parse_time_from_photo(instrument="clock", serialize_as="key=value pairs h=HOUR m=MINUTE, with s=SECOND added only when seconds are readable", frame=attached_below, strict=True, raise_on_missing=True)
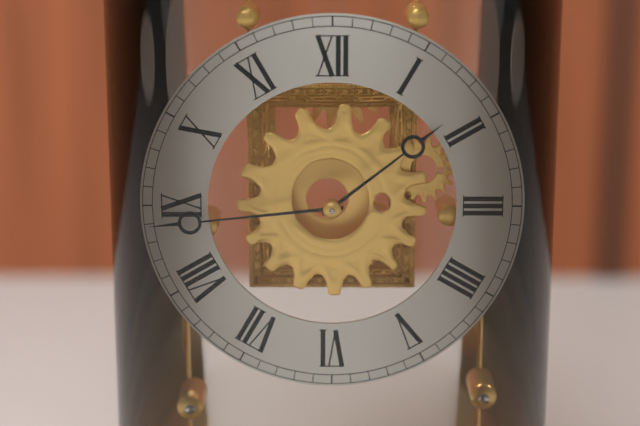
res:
h=1 m=44
